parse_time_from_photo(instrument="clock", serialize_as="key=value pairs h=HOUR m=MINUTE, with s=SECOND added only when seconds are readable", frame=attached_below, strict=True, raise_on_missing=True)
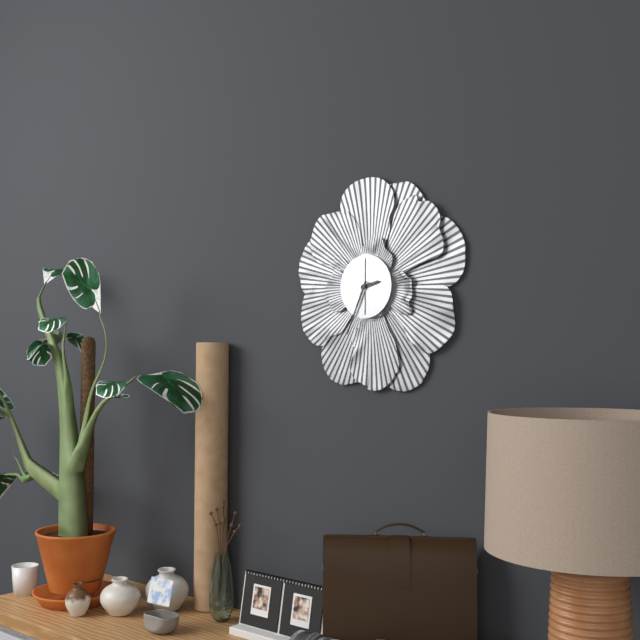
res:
h=2 m=34
